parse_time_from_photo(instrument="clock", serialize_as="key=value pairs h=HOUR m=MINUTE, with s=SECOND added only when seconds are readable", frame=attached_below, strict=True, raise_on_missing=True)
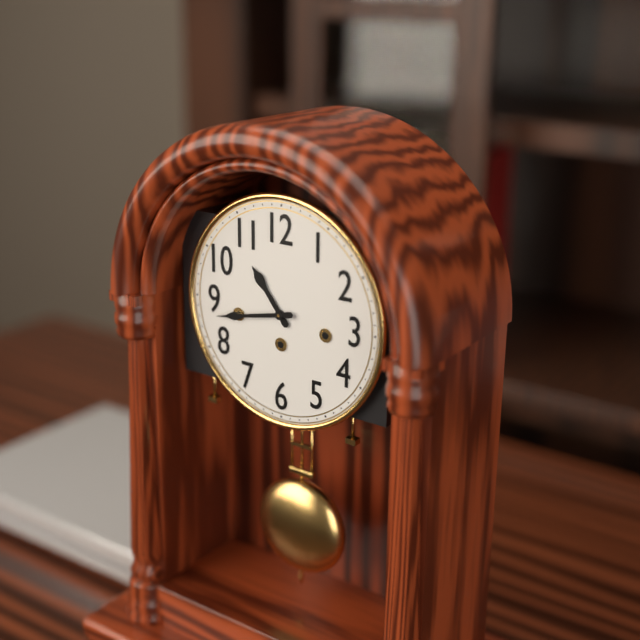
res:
h=10 m=43
